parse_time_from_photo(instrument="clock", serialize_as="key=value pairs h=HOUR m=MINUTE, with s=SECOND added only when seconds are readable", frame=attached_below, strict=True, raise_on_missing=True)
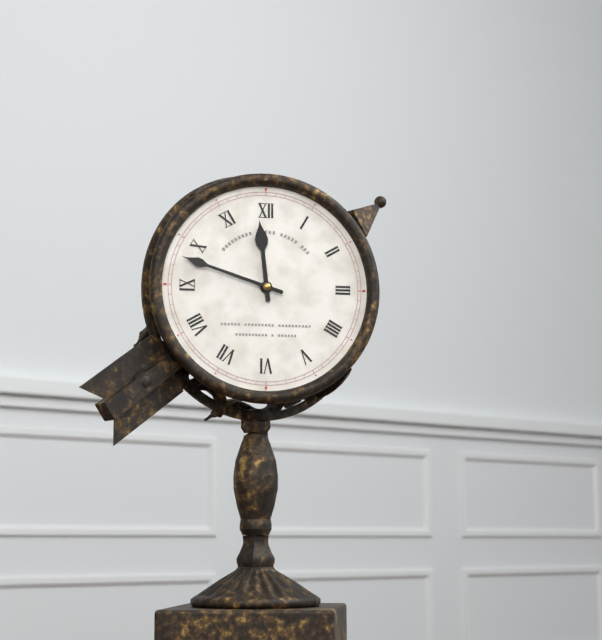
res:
h=11 m=48
